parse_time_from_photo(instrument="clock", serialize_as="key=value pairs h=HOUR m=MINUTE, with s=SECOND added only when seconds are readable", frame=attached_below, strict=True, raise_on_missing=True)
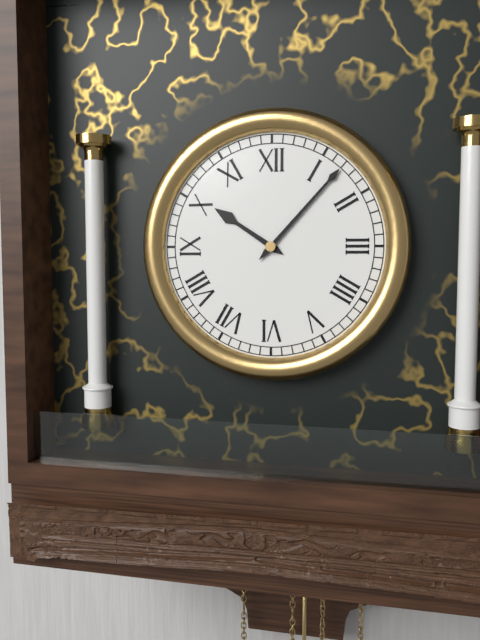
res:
h=10 m=7
